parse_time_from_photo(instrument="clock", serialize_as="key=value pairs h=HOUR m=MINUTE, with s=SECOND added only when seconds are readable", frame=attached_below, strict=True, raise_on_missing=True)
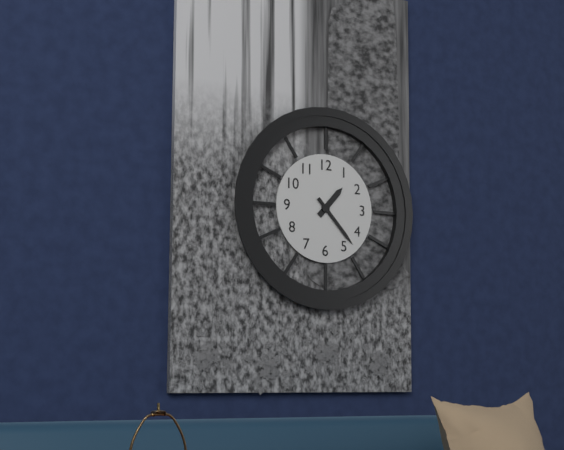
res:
h=1 m=23
